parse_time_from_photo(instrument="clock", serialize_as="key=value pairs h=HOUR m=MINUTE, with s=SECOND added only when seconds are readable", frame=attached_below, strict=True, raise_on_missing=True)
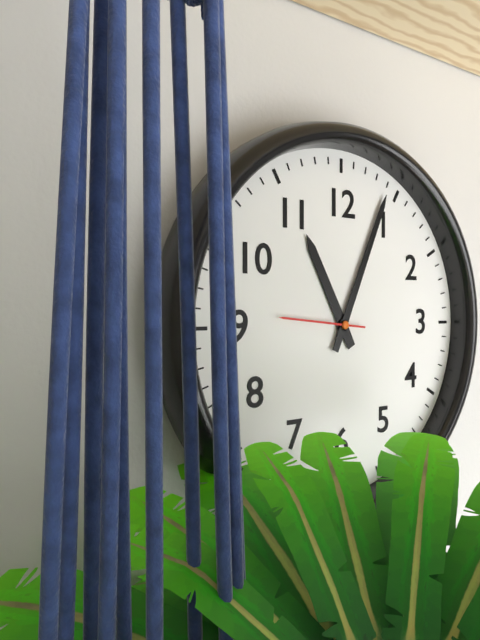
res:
h=11 m=4 s=46
